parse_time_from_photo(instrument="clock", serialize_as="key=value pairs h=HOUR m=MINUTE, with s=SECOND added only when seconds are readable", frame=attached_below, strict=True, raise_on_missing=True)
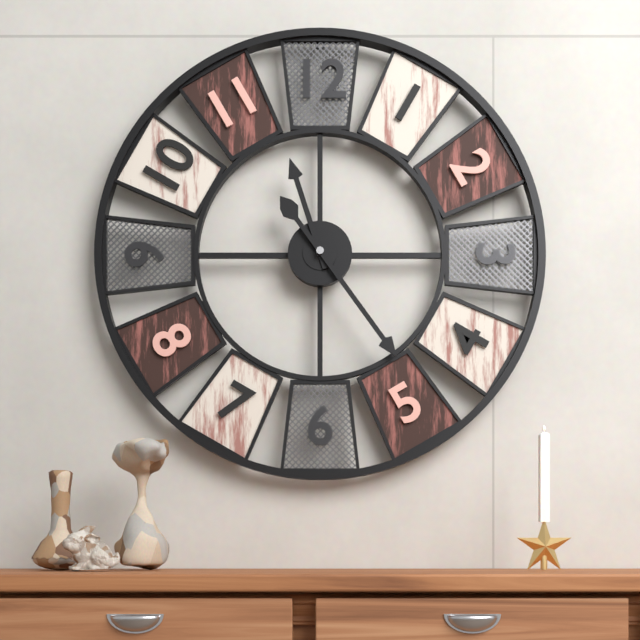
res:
h=11 m=24
